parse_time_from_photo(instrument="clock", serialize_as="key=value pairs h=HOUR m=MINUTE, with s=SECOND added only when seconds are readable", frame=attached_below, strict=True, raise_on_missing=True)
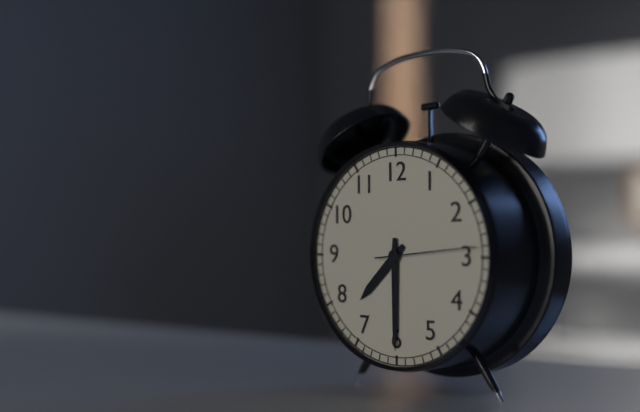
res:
h=7 m=30 s=14
